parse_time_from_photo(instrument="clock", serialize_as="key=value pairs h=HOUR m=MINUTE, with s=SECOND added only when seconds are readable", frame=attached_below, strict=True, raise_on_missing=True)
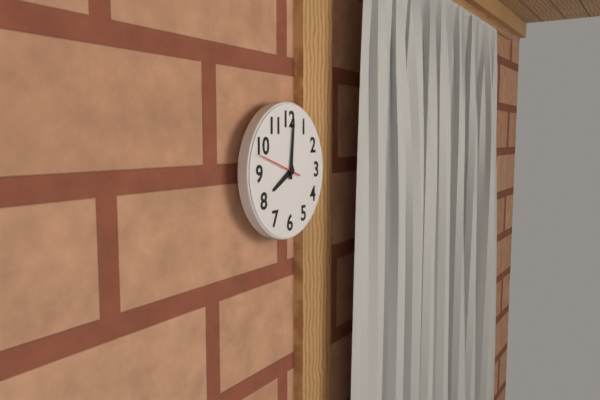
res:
h=8 m=1
